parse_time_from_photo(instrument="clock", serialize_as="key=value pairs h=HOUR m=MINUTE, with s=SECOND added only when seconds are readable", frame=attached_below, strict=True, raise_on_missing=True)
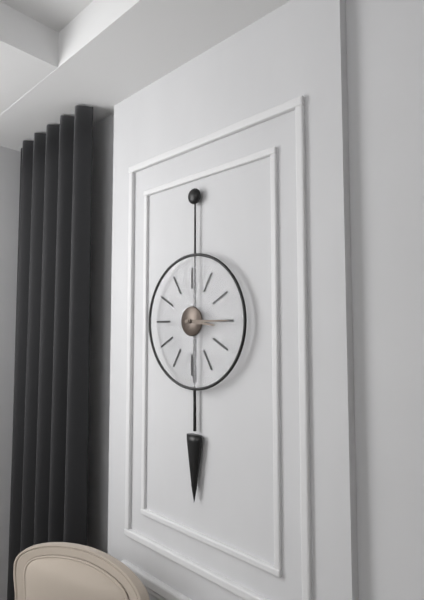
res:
h=3 m=15
